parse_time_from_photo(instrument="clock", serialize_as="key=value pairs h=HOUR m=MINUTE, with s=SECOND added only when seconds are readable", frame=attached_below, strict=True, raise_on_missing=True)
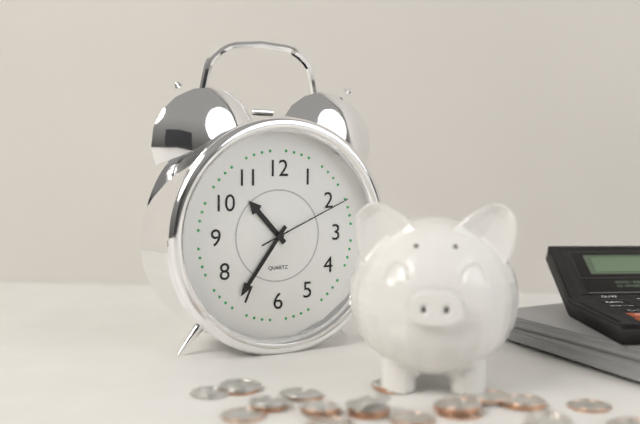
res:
h=10 m=36 s=11
